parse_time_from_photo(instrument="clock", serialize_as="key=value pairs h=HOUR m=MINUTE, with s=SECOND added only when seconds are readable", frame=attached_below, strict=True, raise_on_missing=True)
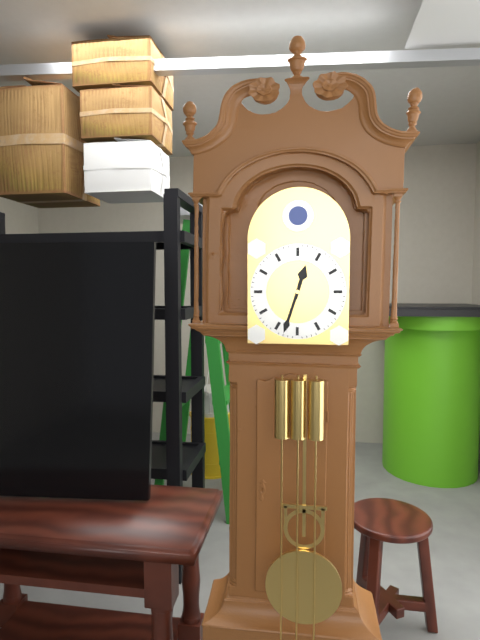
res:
h=12 m=33
